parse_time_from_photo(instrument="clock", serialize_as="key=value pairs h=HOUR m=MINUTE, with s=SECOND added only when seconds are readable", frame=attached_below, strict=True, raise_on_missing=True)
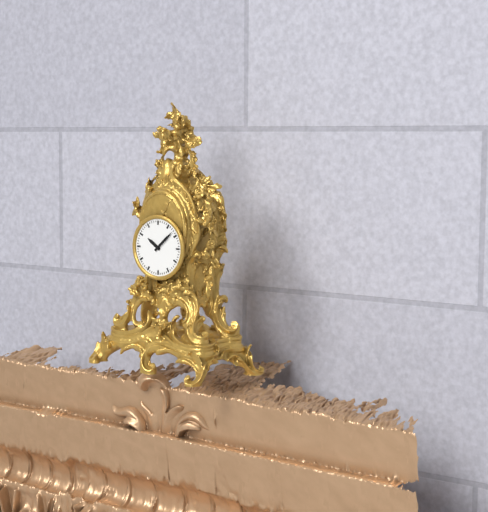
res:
h=10 m=8
